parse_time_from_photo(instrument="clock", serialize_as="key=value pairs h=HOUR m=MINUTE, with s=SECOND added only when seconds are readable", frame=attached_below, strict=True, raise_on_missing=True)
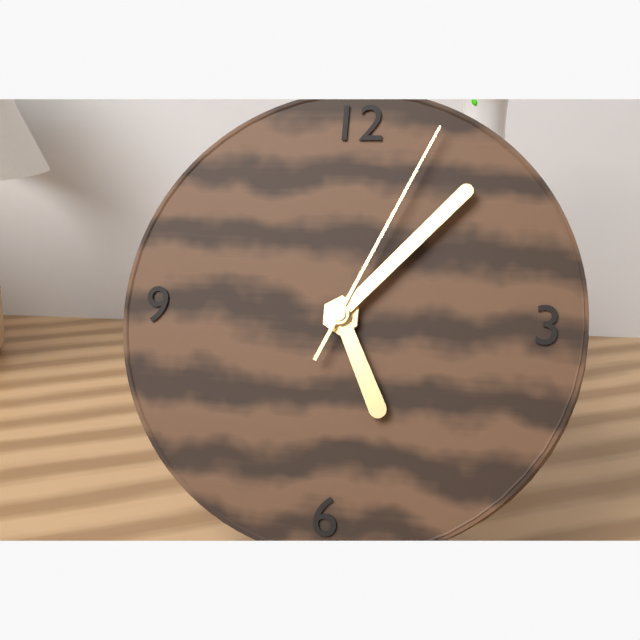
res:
h=5 m=7 s=4
